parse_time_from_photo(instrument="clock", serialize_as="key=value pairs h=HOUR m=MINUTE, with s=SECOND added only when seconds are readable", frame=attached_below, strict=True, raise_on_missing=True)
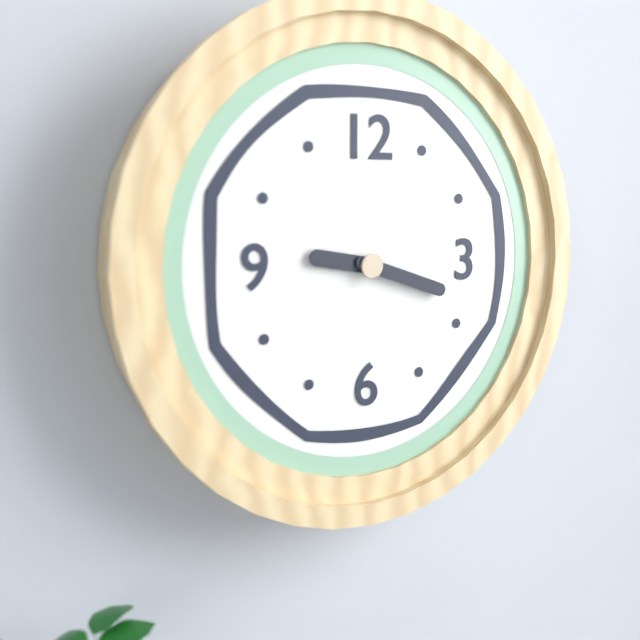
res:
h=9 m=18
